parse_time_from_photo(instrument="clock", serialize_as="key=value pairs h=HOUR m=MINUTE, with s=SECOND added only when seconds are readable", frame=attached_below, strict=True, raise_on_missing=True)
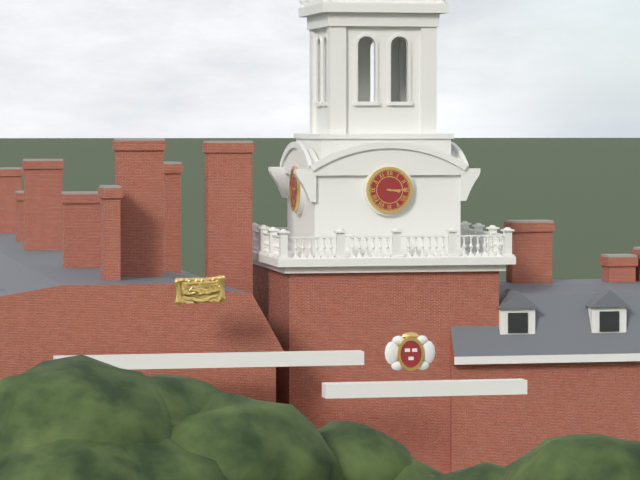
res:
h=3 m=15
